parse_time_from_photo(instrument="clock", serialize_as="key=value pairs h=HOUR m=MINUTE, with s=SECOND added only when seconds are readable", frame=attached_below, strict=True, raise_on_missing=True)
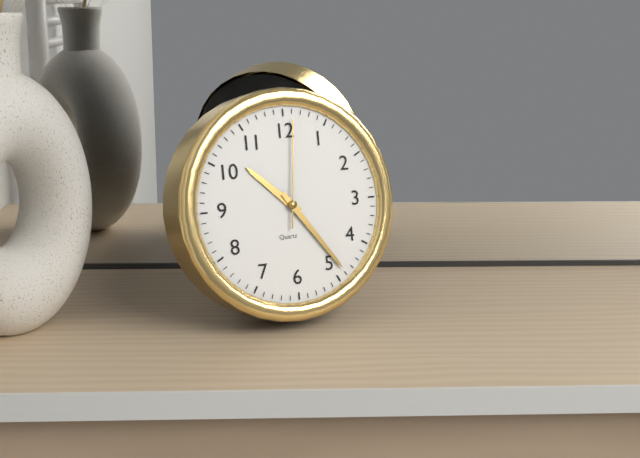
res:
h=10 m=24 s=1
